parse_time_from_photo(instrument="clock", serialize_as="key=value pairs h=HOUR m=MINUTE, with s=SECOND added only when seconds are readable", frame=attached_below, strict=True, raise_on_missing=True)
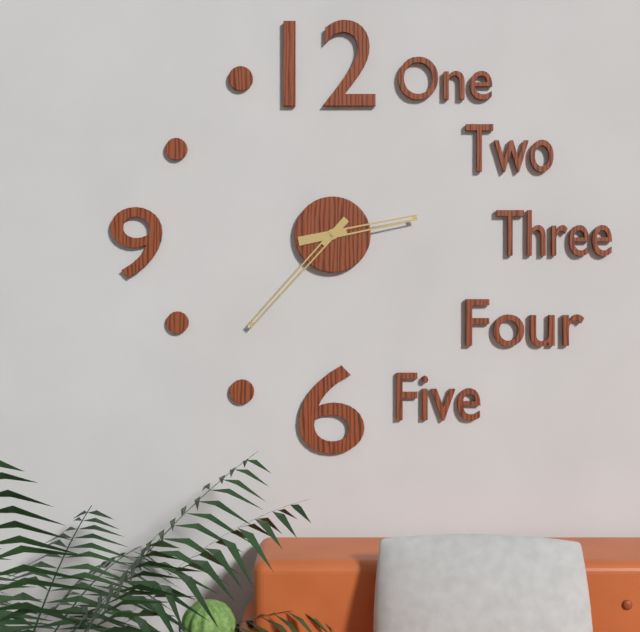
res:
h=2 m=37
